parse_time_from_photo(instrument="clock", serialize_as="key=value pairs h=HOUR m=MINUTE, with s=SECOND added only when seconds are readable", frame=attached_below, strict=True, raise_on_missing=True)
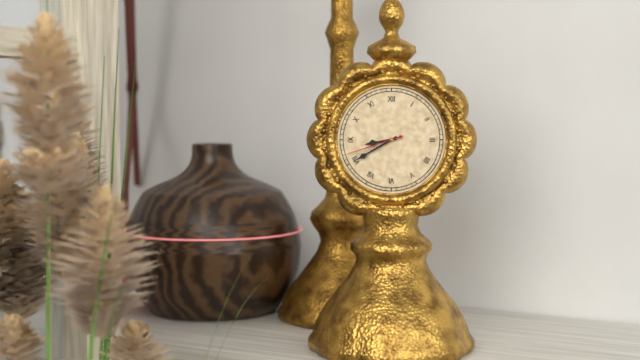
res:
h=8 m=40 s=42
